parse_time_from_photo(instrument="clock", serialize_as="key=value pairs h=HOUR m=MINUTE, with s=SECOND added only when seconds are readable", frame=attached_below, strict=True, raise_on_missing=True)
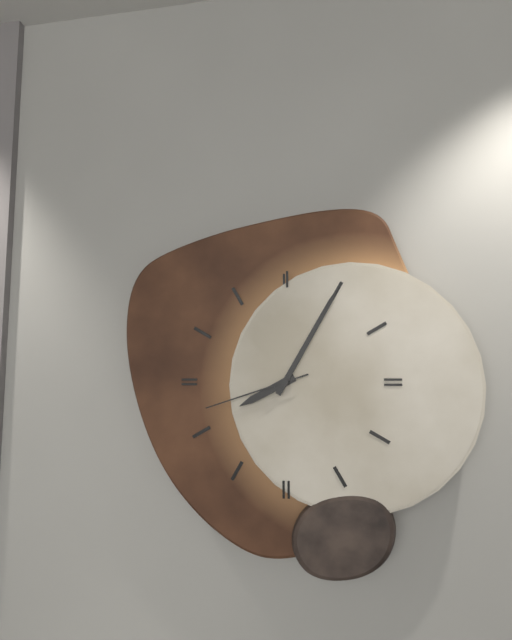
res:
h=8 m=5 s=42
